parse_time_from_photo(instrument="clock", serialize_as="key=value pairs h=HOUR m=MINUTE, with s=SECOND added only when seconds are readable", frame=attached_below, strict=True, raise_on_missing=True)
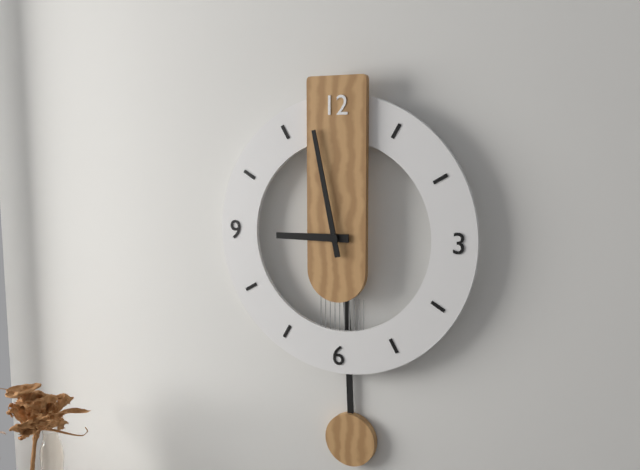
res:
h=8 m=58
